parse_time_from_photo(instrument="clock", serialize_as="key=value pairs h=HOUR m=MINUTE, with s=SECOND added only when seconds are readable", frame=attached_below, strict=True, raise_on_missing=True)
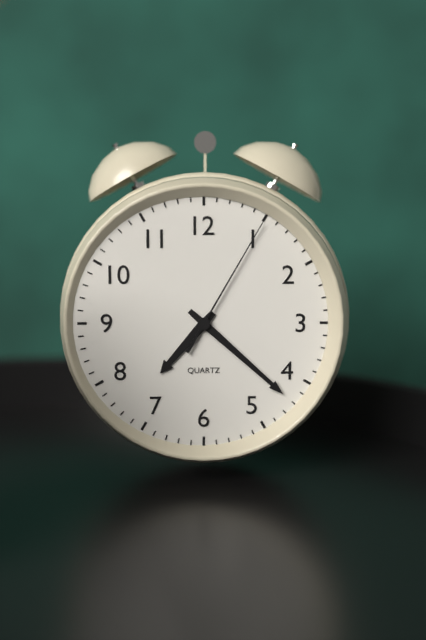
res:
h=7 m=22 s=5
